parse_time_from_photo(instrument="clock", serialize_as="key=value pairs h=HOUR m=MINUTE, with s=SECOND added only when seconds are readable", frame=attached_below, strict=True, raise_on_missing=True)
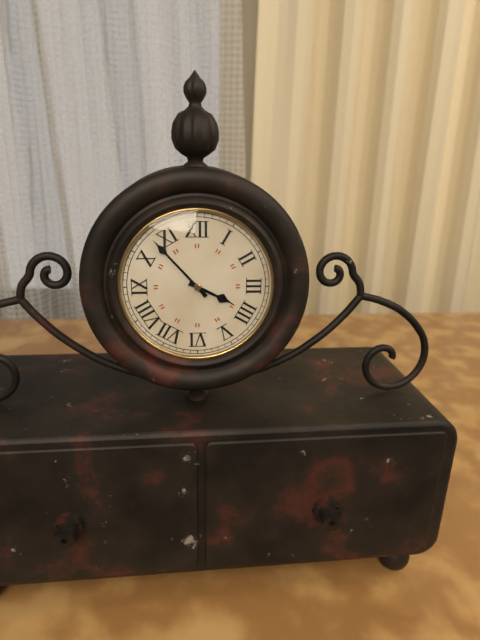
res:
h=3 m=53
